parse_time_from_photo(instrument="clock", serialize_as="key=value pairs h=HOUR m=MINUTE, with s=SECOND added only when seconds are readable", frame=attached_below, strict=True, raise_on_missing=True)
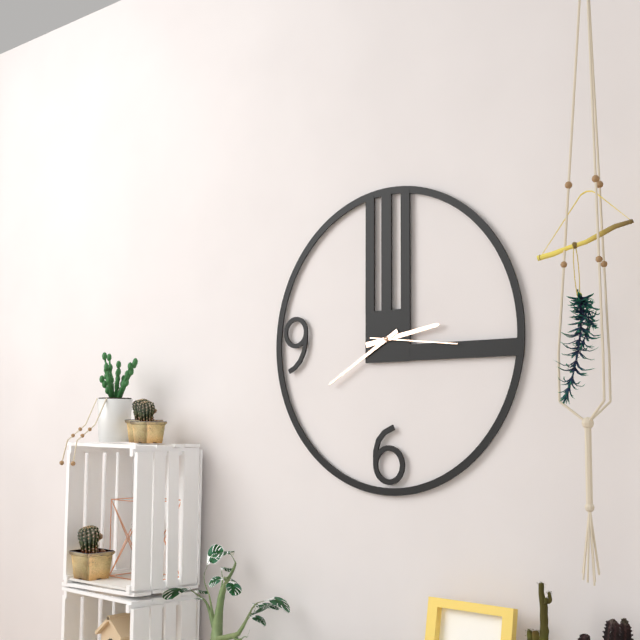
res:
h=2 m=40 s=16
